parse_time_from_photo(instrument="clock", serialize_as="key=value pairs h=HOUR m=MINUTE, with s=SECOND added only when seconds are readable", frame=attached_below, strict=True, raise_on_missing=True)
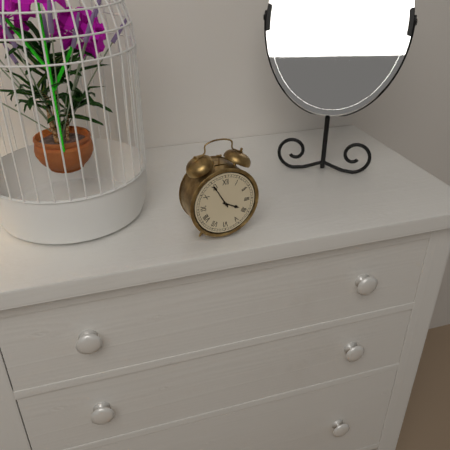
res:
h=3 m=55
